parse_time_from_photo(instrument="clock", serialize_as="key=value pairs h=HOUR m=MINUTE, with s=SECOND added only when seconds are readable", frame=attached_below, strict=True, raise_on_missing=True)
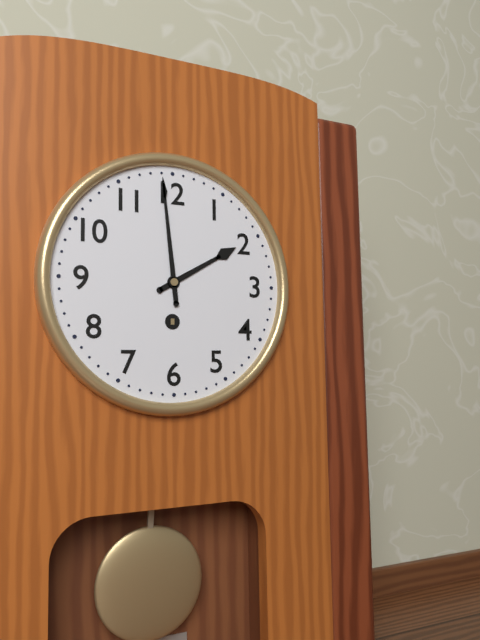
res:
h=1 m=59
